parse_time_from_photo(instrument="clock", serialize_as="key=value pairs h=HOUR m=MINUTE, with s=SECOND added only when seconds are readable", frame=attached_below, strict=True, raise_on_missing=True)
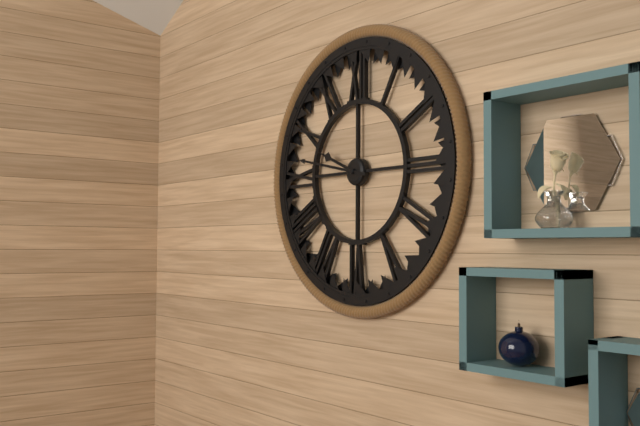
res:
h=9 m=47
